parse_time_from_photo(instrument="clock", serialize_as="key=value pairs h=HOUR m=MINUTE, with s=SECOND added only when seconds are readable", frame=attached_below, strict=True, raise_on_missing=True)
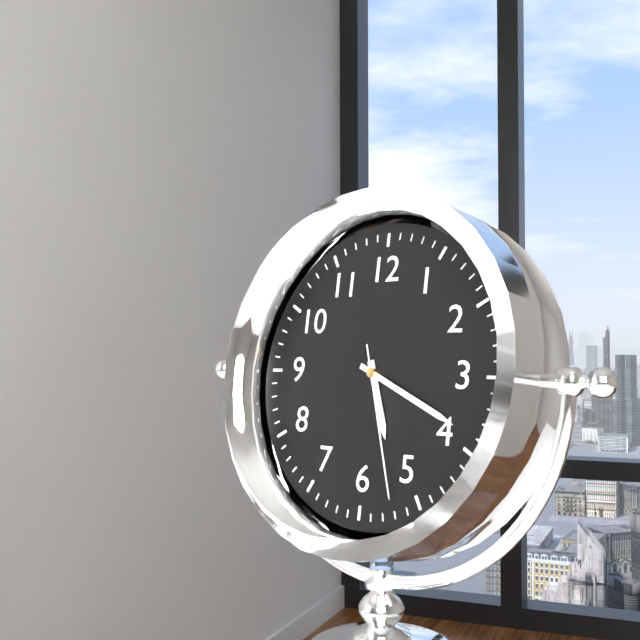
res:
h=5 m=19 s=27
